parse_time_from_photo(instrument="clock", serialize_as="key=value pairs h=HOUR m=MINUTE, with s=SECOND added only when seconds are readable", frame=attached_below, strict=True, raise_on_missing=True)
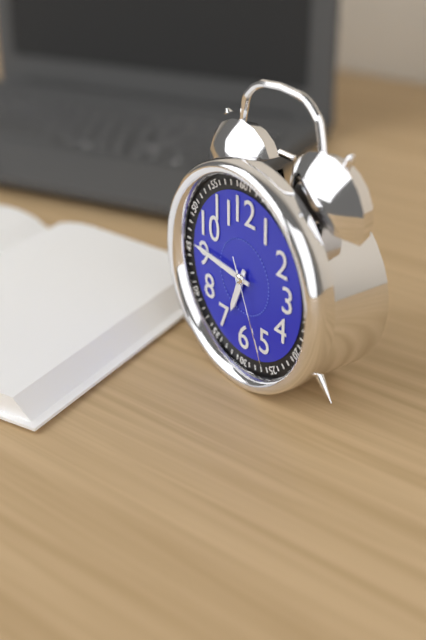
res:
h=6 m=46 s=26
